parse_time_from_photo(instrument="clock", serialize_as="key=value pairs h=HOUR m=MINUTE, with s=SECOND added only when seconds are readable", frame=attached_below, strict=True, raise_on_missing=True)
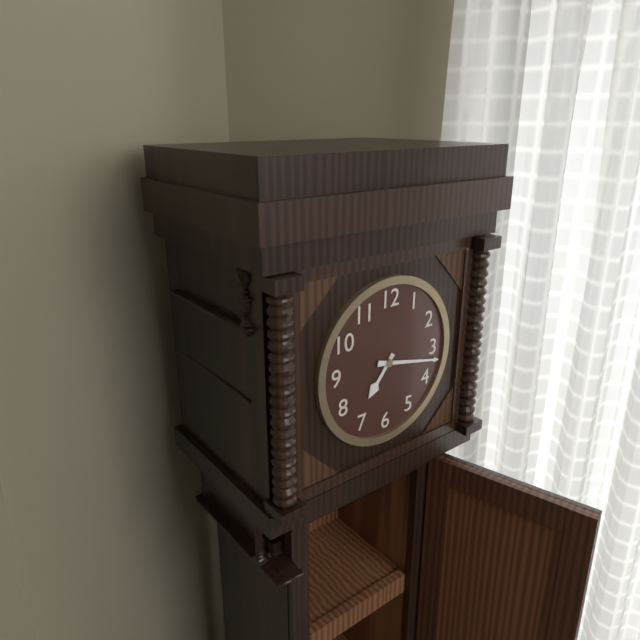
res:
h=7 m=17
